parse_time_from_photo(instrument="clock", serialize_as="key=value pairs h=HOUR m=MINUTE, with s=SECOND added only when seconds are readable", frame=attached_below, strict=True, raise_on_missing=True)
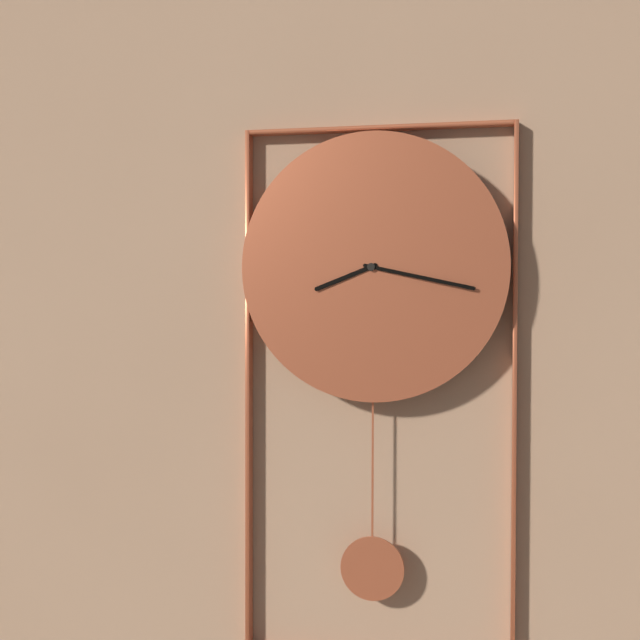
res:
h=8 m=17
